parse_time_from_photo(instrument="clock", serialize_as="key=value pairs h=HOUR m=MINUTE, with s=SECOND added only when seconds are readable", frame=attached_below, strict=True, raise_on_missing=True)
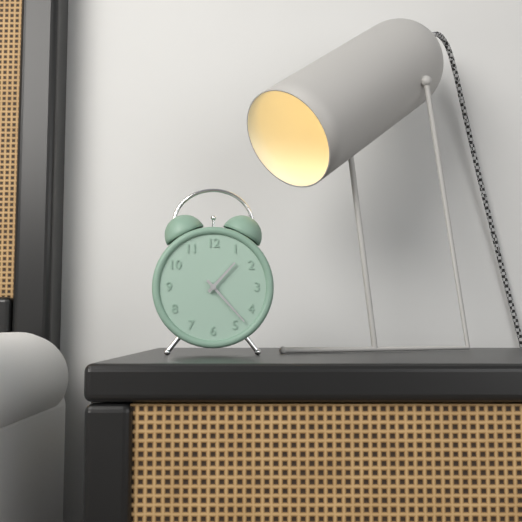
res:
h=1 m=23
